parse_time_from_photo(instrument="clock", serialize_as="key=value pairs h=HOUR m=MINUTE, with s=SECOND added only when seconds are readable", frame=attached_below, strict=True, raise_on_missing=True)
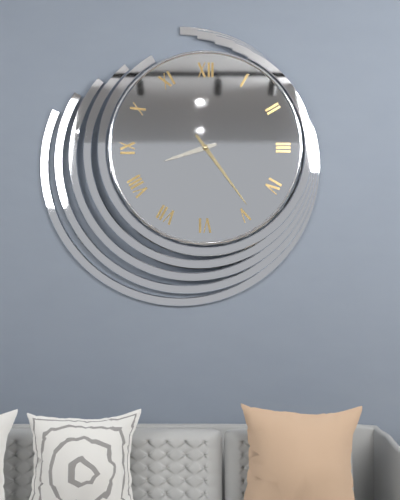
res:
h=8 m=24
